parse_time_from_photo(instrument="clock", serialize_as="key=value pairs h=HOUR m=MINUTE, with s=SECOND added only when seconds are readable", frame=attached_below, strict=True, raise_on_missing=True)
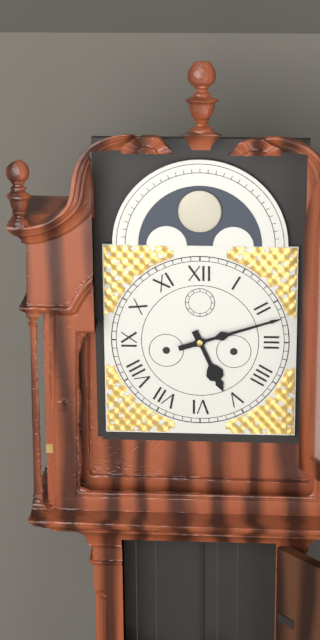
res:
h=5 m=12
